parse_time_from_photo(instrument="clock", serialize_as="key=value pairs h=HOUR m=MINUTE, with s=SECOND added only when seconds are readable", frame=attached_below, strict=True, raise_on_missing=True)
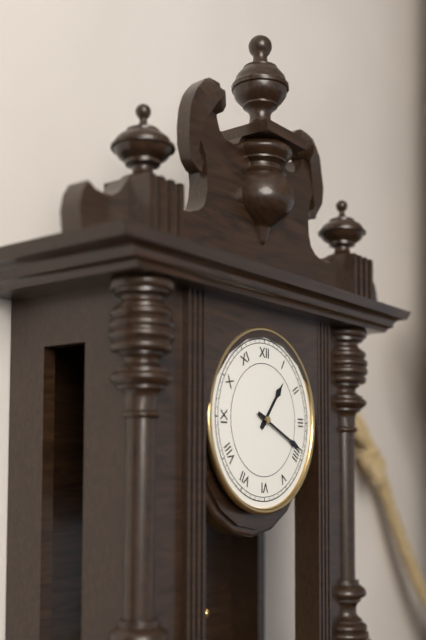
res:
h=1 m=19
